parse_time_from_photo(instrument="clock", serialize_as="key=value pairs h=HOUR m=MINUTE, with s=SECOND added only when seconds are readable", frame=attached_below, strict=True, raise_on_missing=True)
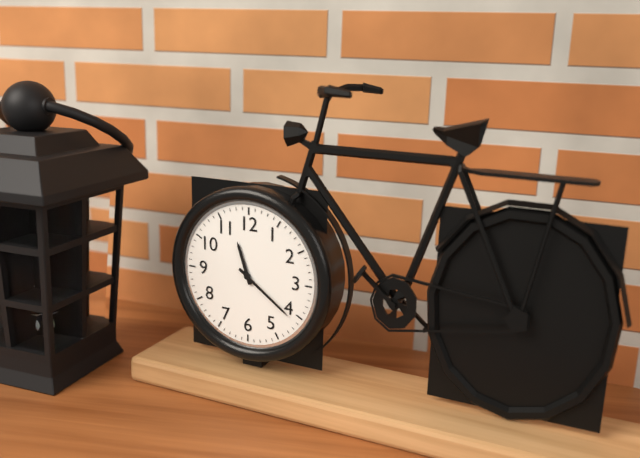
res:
h=11 m=21
